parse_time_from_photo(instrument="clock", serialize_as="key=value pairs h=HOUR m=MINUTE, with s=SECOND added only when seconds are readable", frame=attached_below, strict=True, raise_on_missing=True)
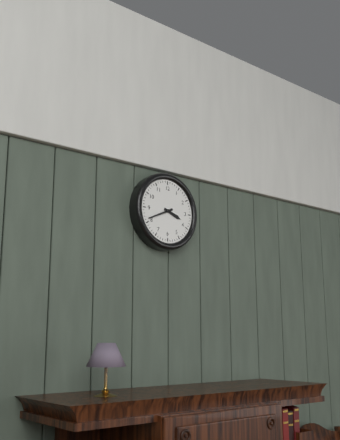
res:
h=3 m=41
